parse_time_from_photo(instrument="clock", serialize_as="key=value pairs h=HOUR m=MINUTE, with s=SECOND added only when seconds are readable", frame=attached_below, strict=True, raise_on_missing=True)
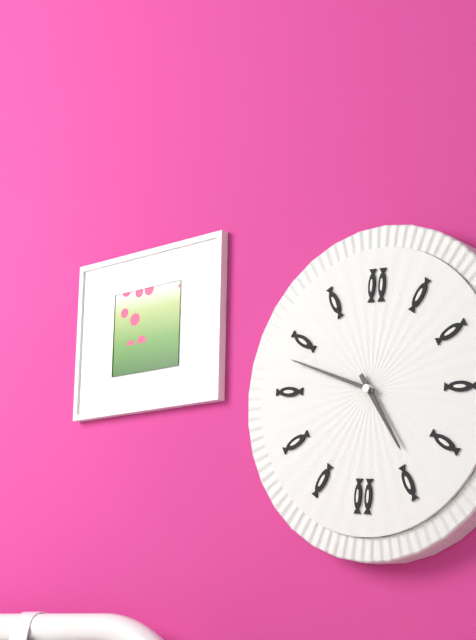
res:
h=4 m=48
